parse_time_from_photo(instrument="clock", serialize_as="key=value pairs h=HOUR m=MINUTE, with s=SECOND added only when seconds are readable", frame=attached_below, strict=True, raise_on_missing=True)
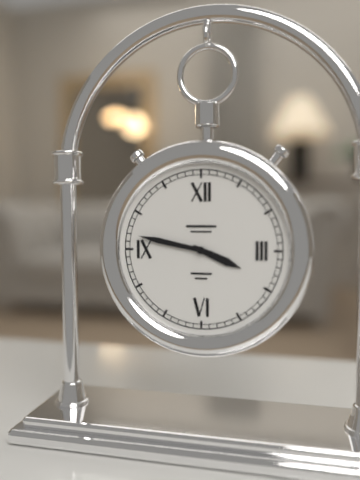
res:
h=3 m=47
